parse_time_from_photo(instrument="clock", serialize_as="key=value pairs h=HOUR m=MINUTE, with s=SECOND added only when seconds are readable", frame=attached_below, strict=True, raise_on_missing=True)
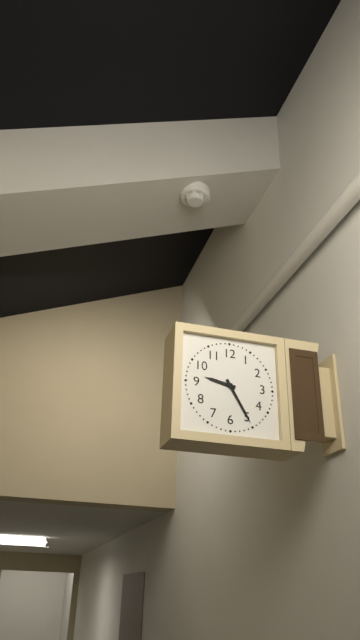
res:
h=9 m=25
